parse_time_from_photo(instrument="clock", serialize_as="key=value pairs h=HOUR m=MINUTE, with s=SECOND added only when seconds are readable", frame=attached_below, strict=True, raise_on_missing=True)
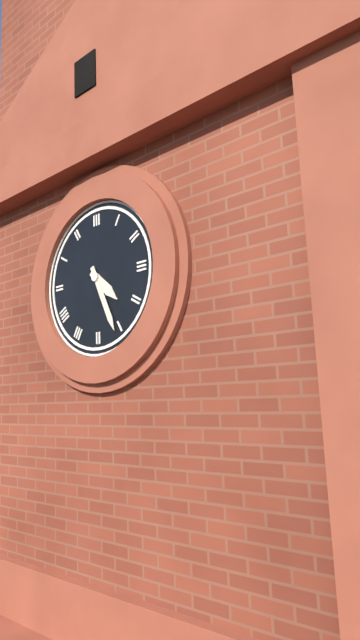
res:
h=4 m=26
